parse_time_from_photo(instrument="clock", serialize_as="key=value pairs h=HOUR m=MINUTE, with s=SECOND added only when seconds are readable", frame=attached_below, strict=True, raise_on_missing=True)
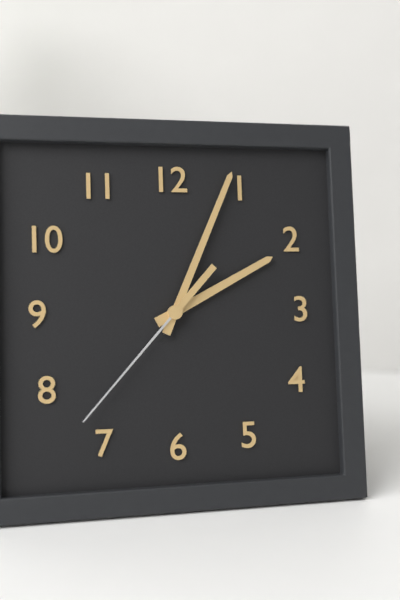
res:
h=2 m=4 s=37
